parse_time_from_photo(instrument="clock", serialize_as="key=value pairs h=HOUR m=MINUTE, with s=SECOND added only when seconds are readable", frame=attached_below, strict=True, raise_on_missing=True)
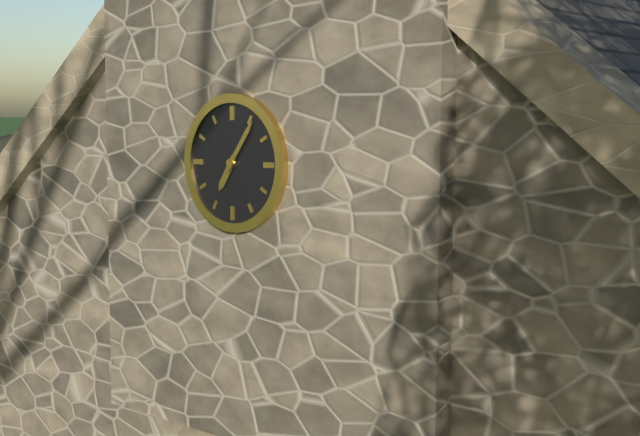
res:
h=7 m=6
